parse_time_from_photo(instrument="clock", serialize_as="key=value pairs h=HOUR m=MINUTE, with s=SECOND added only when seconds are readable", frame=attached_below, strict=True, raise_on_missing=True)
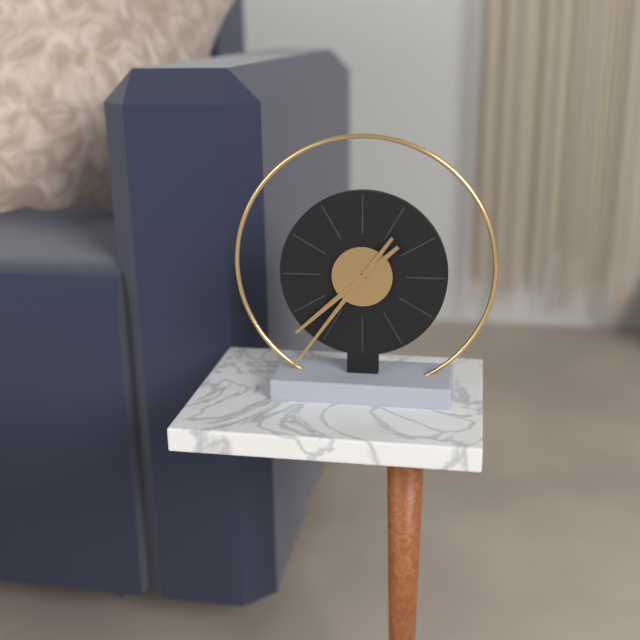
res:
h=7 m=36
